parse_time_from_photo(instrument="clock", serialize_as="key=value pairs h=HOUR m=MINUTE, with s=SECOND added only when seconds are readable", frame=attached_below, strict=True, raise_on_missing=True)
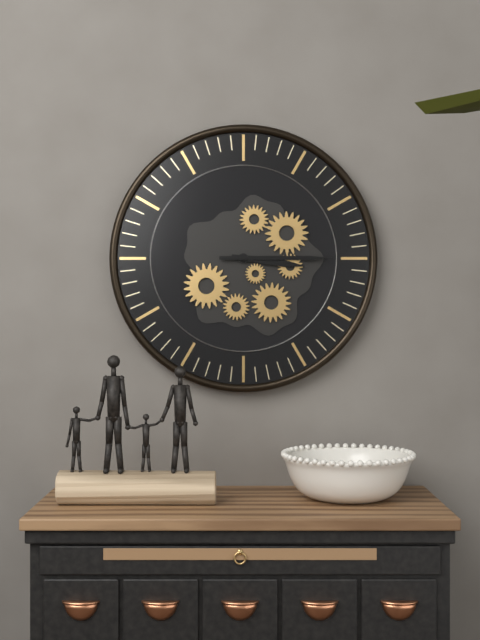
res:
h=3 m=15
